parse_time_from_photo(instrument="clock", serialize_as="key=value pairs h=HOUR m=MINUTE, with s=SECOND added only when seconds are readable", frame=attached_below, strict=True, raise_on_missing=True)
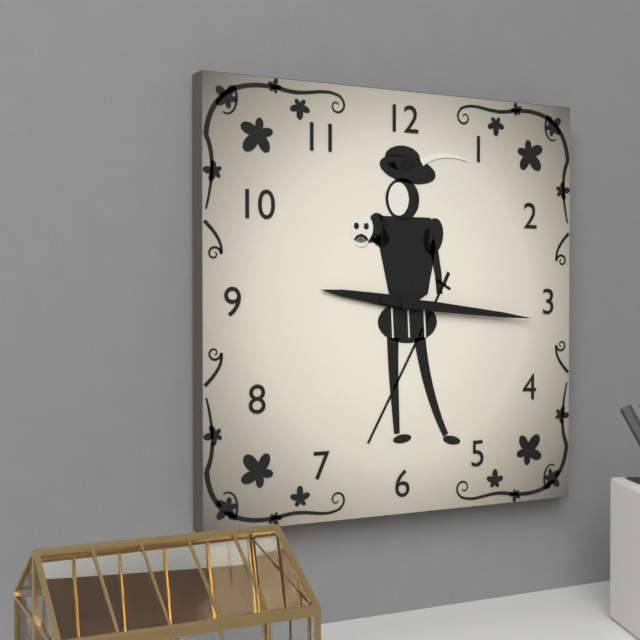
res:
h=9 m=16
